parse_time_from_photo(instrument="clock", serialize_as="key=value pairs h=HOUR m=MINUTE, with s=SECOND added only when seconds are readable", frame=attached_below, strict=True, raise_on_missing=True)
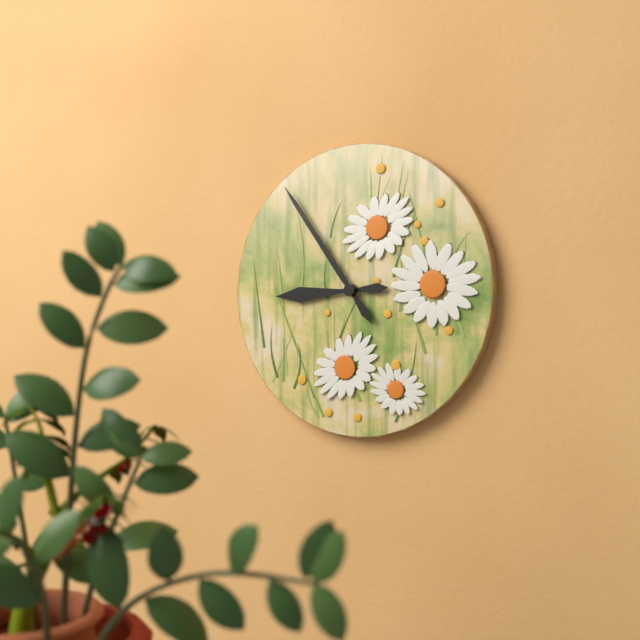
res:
h=8 m=54
